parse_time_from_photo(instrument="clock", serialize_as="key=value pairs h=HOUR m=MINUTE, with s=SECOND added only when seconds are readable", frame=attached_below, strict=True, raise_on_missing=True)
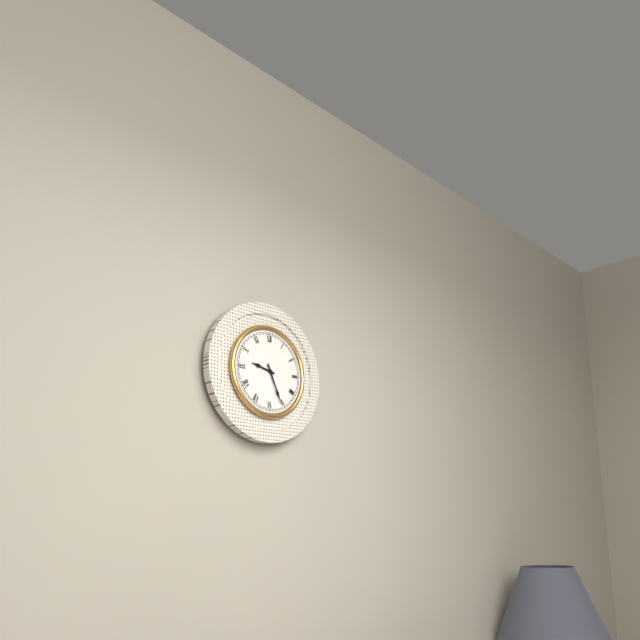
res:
h=9 m=26
